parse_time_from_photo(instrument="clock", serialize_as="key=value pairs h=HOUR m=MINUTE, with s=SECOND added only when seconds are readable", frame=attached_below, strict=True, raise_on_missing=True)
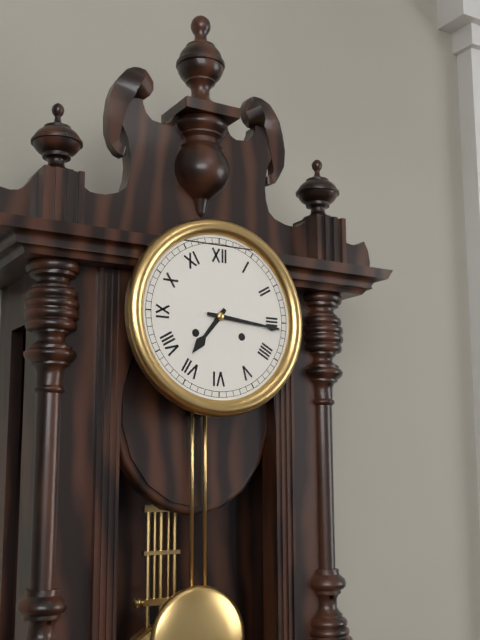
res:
h=7 m=16
